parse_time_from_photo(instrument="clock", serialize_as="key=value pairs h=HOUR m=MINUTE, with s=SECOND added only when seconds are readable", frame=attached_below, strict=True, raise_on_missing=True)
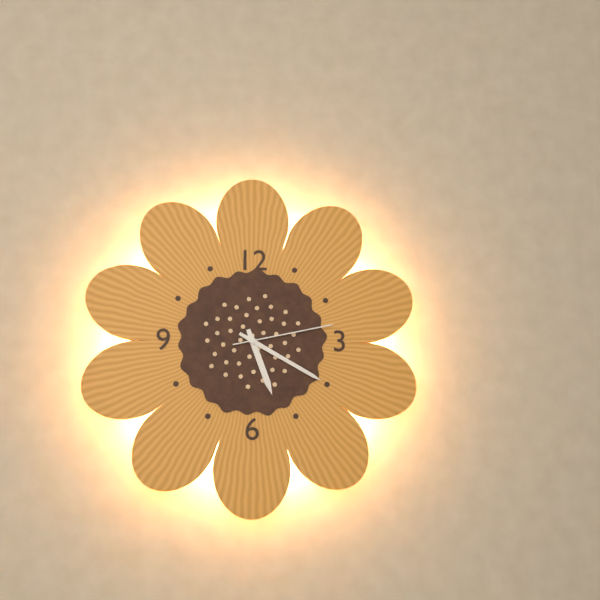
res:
h=5 m=20 s=13
